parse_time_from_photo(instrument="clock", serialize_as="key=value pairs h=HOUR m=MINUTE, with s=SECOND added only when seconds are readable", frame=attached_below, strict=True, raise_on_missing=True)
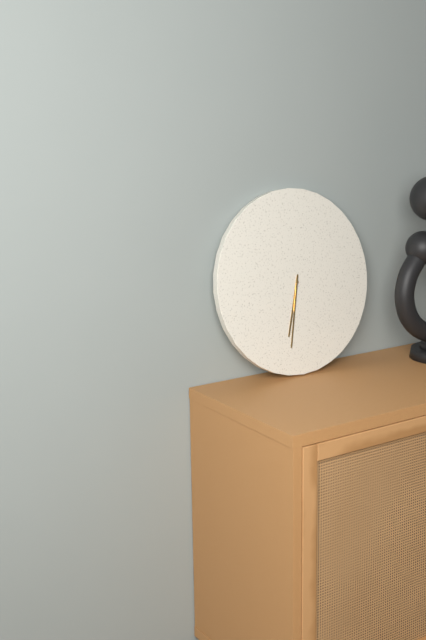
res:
h=6 m=32
